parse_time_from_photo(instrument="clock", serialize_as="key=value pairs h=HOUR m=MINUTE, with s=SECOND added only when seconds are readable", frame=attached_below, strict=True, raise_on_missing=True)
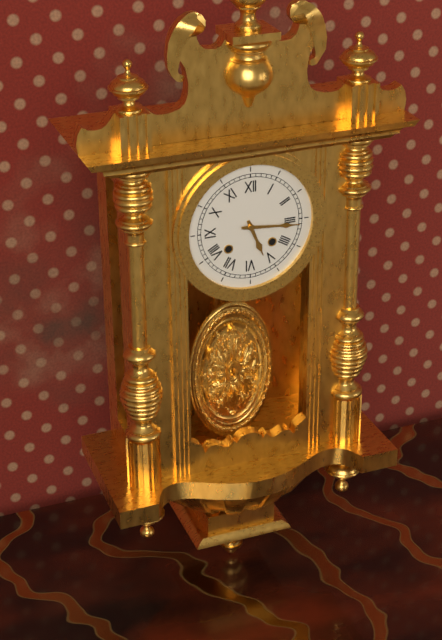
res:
h=5 m=16
